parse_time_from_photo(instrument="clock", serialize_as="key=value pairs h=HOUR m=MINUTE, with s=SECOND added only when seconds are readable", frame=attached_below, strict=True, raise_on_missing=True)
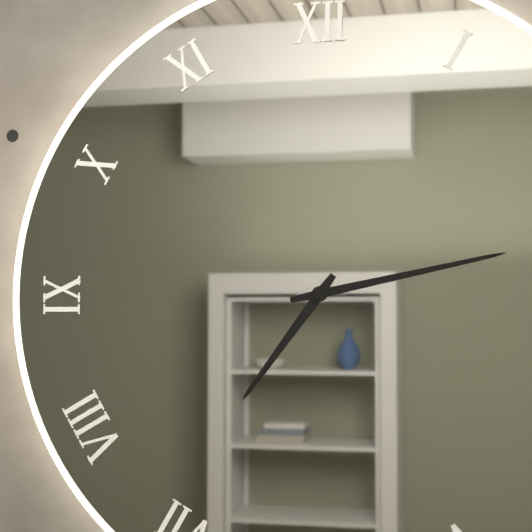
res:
h=7 m=13
